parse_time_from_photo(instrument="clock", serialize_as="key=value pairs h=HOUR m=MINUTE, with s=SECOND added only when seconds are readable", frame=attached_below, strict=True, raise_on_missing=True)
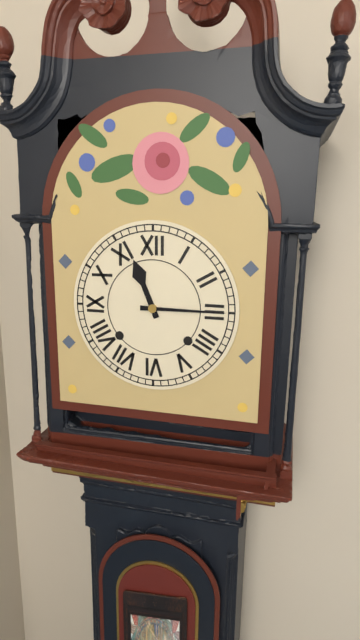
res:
h=11 m=15
